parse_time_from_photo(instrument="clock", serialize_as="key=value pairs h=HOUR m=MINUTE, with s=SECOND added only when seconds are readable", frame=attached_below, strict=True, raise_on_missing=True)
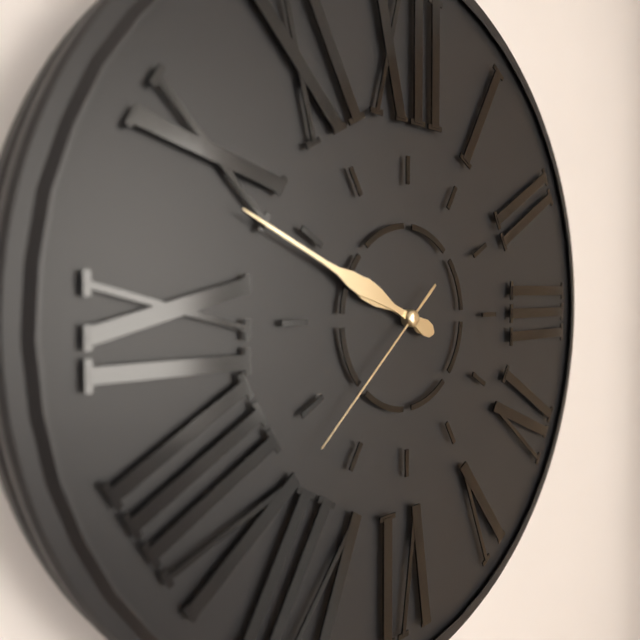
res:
h=9 m=49 s=38
